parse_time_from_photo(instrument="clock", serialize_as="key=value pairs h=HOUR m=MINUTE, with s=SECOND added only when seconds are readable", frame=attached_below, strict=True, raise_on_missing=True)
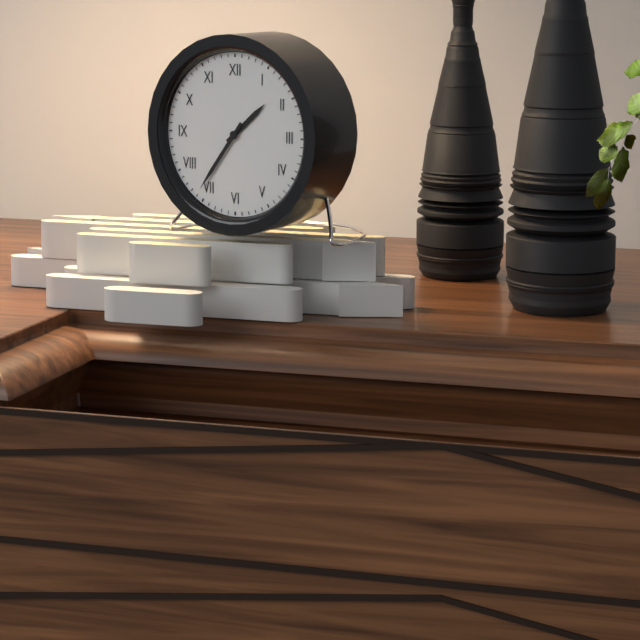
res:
h=1 m=36
